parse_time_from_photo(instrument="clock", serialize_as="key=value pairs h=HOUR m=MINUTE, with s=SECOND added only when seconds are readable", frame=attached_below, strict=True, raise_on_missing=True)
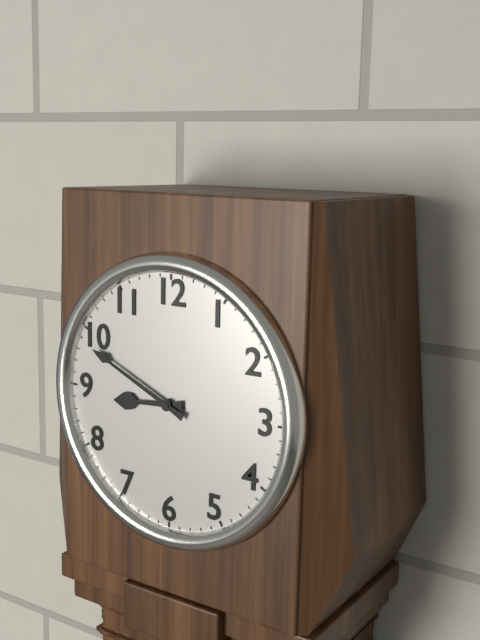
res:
h=8 m=49
